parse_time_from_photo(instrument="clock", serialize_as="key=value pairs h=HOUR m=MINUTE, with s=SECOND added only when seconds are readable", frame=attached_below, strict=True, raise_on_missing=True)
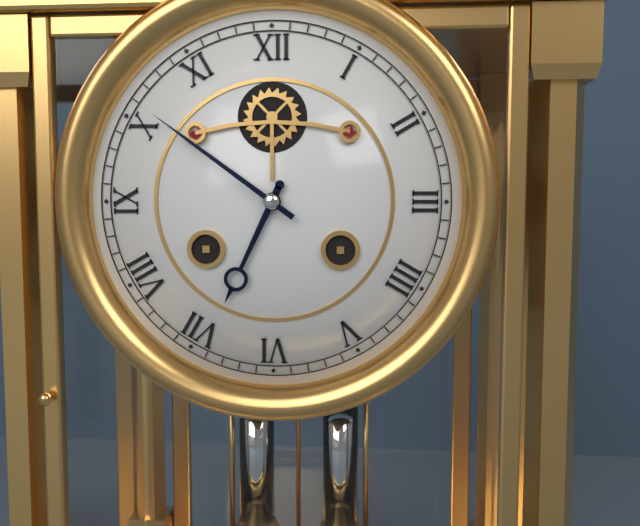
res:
h=6 m=51
